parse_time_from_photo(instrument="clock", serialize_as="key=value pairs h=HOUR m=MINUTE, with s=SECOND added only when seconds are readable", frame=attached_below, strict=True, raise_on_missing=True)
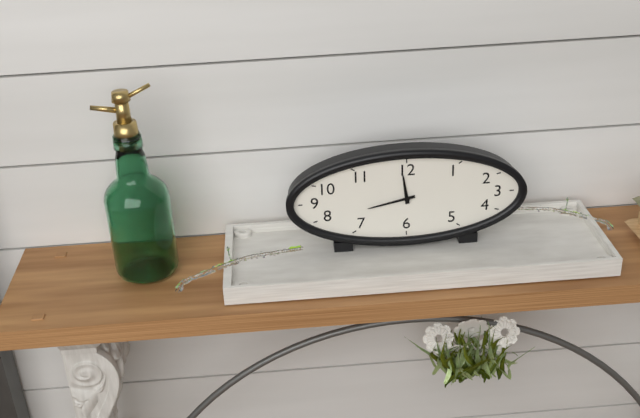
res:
h=11 m=43
